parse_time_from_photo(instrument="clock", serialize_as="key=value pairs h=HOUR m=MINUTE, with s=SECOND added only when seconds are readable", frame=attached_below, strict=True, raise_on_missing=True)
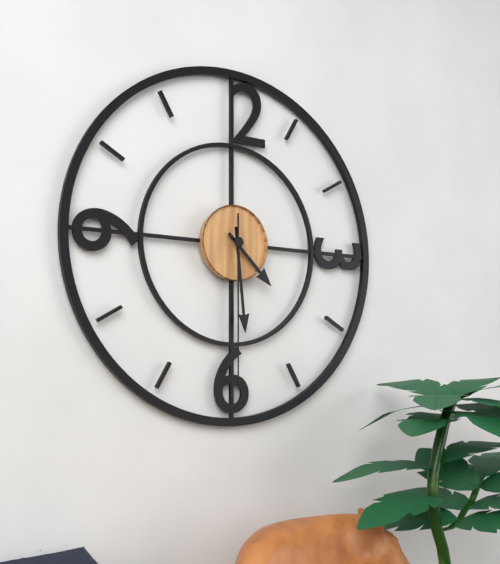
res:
h=4 m=29 s=30
